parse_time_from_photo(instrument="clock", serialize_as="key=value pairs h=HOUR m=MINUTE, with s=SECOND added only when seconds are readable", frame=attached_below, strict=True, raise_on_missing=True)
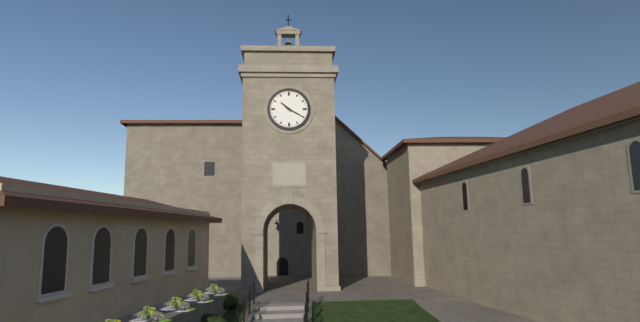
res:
h=10 m=20
